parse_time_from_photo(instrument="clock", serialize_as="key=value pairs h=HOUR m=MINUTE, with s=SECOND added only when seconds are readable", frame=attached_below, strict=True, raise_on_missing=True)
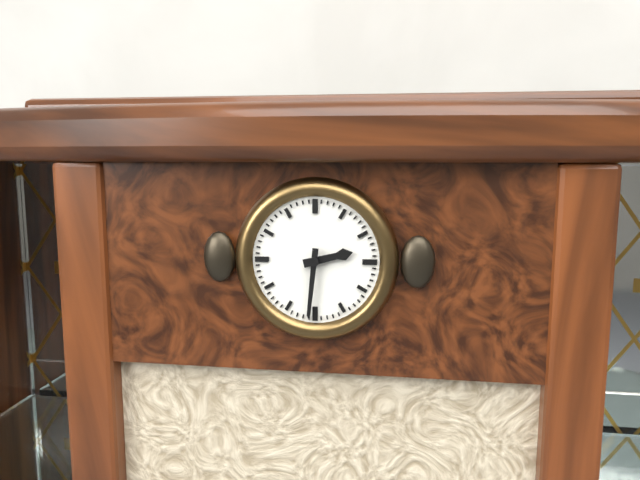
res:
h=2 m=31
